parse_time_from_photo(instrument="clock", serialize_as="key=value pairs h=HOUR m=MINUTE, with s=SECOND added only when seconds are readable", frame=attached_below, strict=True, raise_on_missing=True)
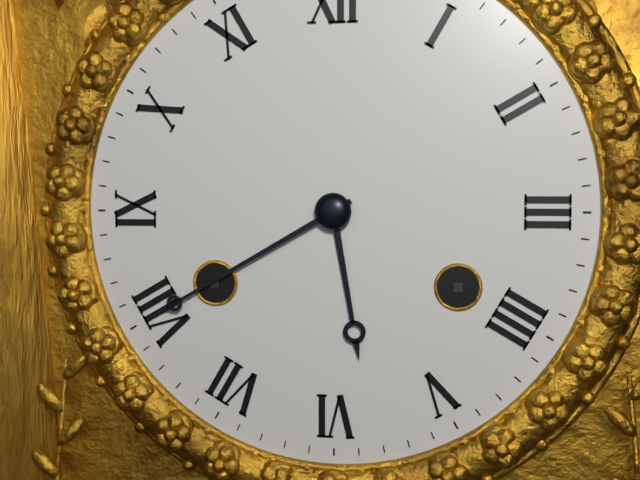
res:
h=5 m=40
